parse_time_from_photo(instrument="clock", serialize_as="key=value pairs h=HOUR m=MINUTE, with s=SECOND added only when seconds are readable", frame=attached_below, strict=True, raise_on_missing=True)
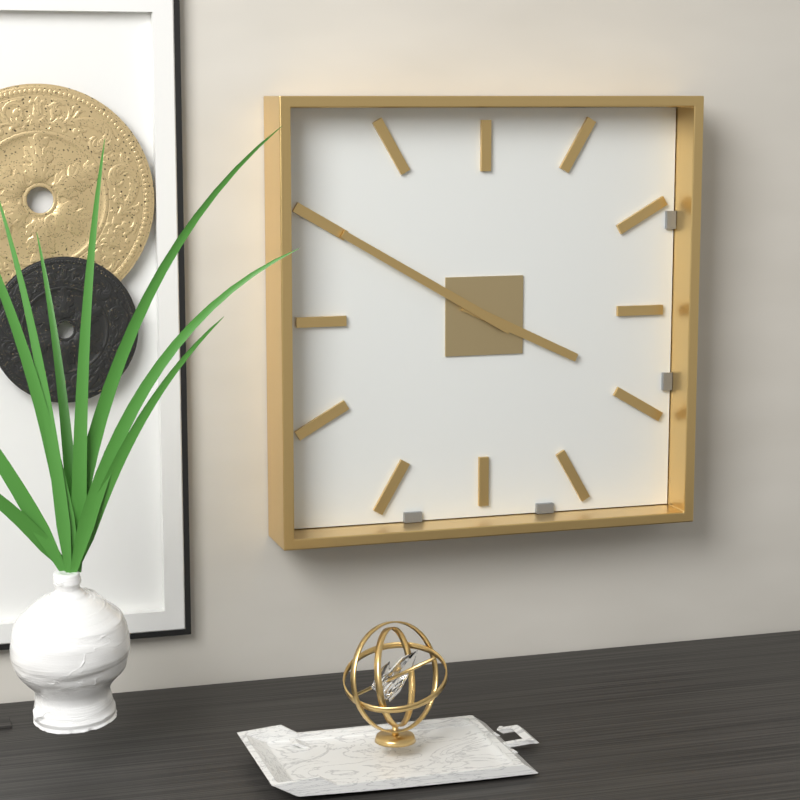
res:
h=3 m=50
